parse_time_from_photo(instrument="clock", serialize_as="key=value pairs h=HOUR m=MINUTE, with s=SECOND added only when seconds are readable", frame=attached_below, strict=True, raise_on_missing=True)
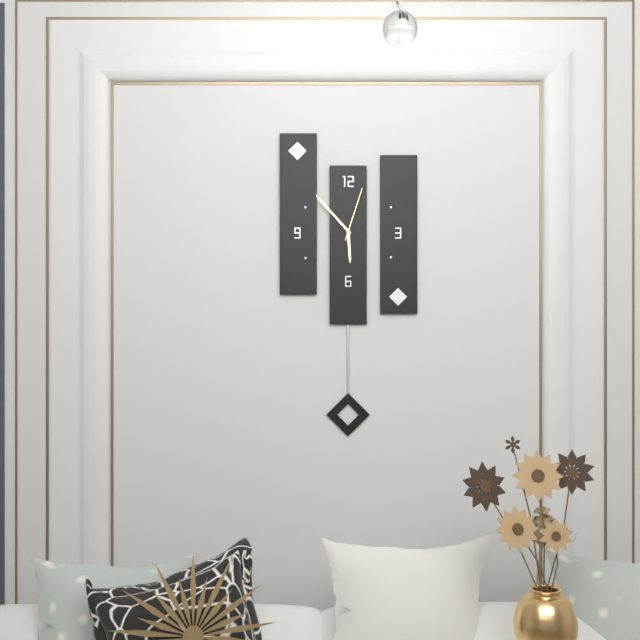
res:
h=5 m=53 s=3
